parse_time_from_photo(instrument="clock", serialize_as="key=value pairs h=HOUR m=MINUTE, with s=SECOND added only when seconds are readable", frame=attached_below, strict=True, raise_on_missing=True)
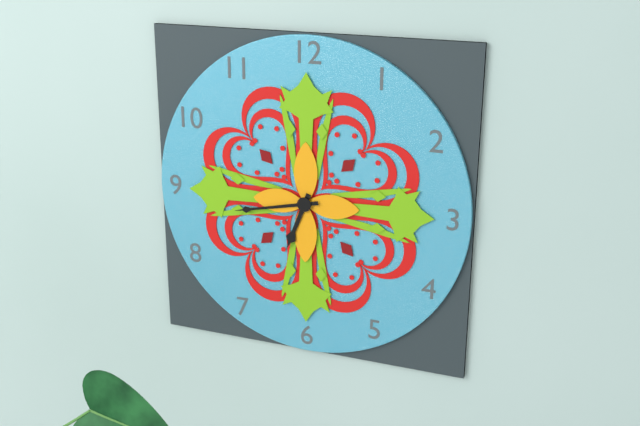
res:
h=6 m=43
